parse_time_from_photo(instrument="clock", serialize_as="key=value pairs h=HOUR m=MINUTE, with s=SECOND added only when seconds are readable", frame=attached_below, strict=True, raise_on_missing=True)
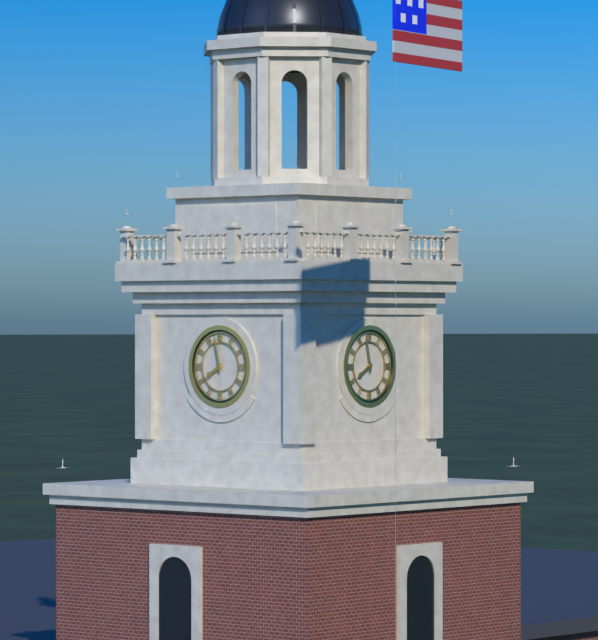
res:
h=7 m=58
